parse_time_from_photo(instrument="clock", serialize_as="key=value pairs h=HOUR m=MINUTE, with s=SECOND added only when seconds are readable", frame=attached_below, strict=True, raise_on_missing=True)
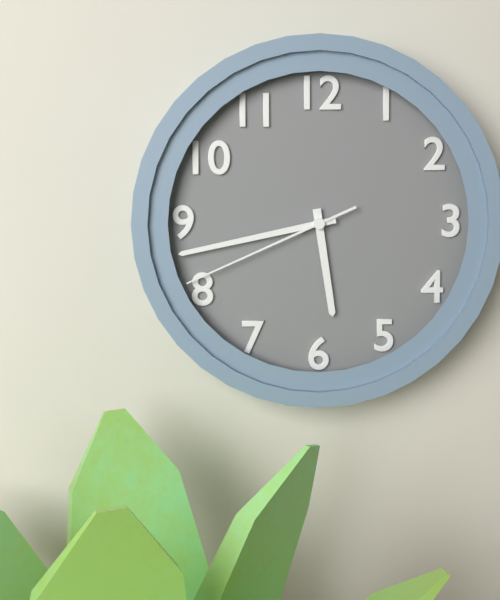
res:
h=5 m=43 s=41
